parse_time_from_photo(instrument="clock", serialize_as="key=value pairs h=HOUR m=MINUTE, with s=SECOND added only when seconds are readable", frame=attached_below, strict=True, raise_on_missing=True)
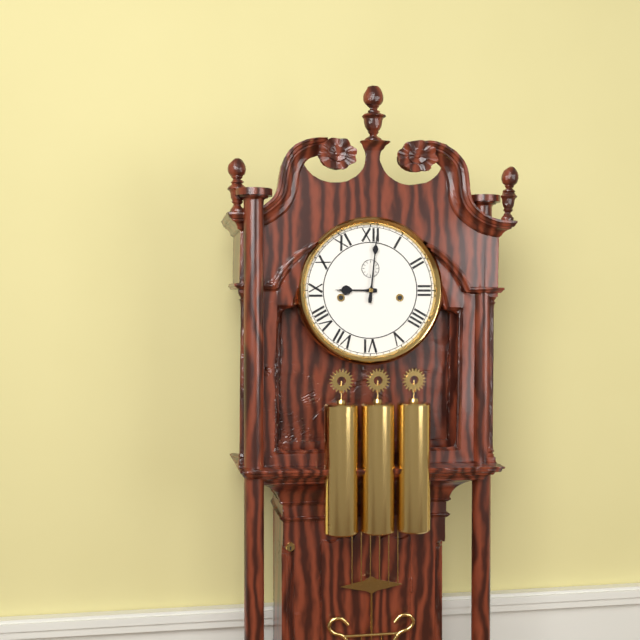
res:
h=9 m=1
